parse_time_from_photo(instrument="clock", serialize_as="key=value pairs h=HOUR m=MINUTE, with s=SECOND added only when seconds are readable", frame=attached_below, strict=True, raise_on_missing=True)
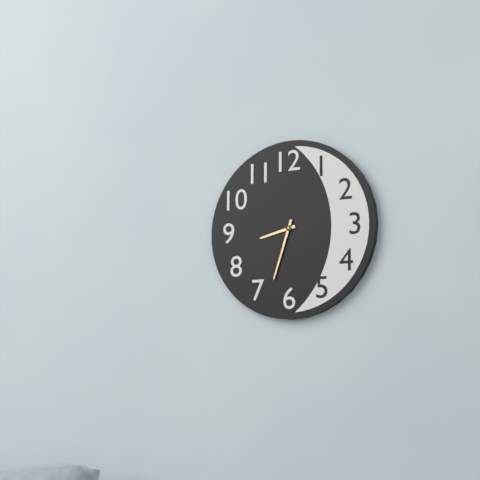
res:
h=8 m=33
